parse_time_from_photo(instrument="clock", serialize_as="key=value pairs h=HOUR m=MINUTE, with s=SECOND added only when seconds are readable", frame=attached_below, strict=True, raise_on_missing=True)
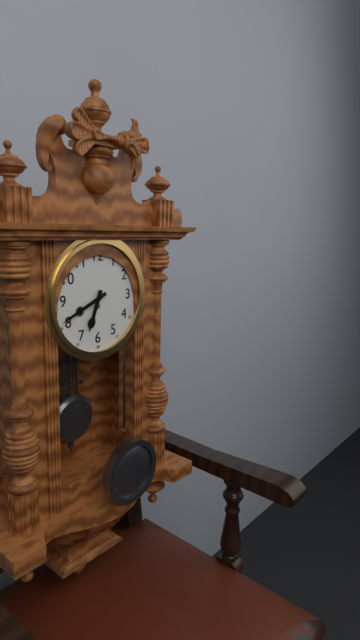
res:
h=6 m=41
